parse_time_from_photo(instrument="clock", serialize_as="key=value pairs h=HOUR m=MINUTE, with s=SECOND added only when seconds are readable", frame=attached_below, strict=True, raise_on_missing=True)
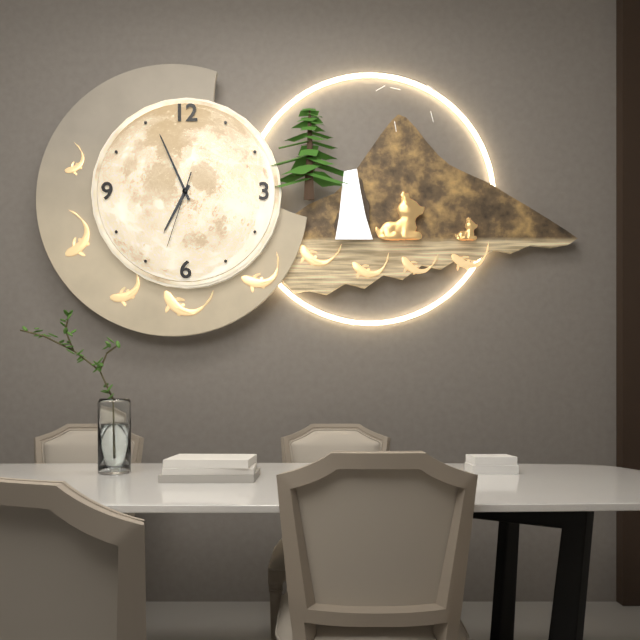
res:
h=6 m=56 s=33
